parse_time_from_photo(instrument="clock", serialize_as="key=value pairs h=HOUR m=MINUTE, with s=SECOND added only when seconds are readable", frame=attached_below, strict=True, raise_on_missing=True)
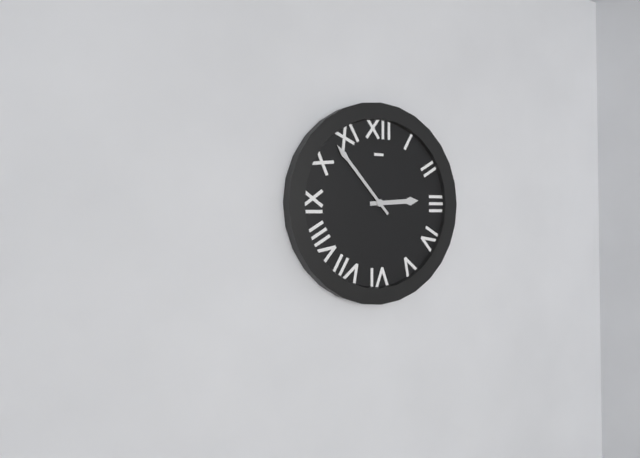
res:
h=2 m=53
